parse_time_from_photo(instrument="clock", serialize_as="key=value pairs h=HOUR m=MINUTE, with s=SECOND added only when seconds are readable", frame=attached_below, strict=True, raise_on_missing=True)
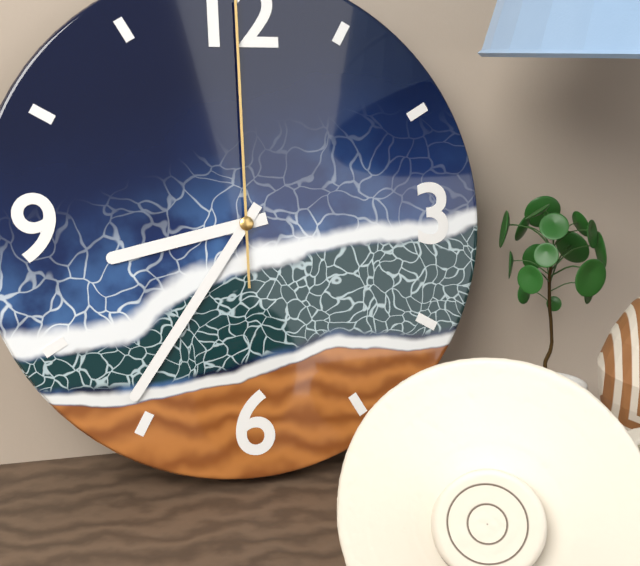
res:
h=8 m=36
